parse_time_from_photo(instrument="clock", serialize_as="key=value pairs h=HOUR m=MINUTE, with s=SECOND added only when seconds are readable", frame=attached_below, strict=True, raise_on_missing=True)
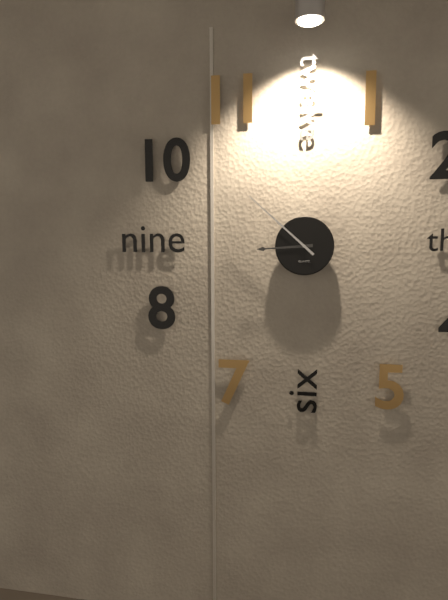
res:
h=8 m=52
